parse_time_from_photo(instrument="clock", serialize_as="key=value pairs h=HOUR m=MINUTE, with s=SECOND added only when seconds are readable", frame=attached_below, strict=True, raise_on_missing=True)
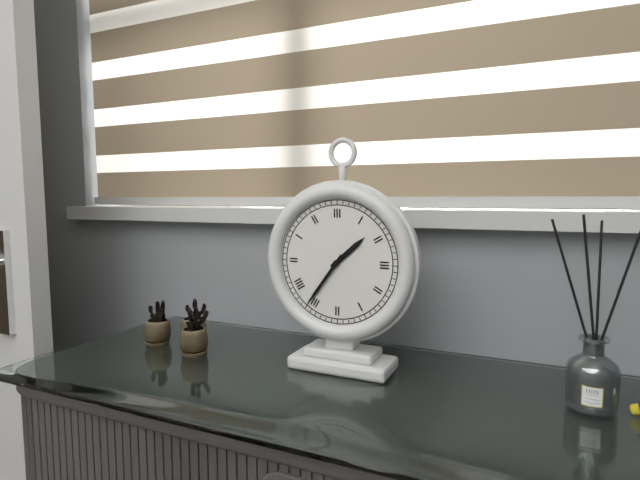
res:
h=1 m=36
